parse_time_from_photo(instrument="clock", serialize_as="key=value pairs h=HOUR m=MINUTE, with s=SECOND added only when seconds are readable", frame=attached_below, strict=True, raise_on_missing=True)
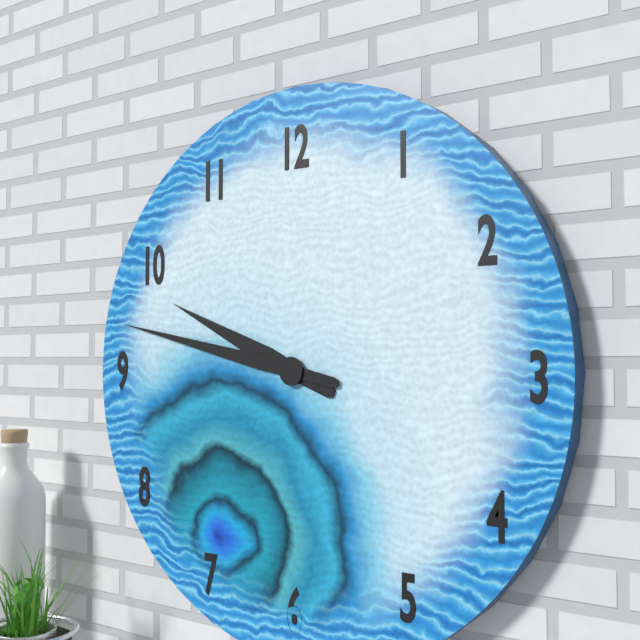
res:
h=9 m=47
